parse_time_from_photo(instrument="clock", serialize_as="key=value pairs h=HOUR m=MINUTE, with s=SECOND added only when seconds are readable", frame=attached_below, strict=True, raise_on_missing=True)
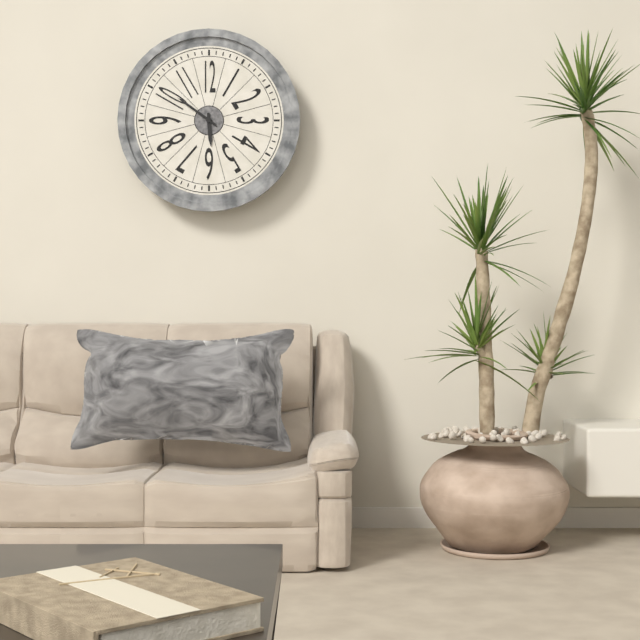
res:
h=5 m=51
